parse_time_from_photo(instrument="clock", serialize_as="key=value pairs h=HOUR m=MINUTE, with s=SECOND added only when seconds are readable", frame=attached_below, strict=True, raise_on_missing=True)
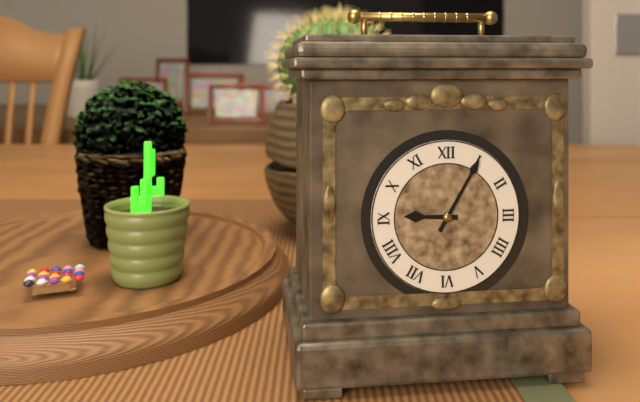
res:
h=9 m=5
